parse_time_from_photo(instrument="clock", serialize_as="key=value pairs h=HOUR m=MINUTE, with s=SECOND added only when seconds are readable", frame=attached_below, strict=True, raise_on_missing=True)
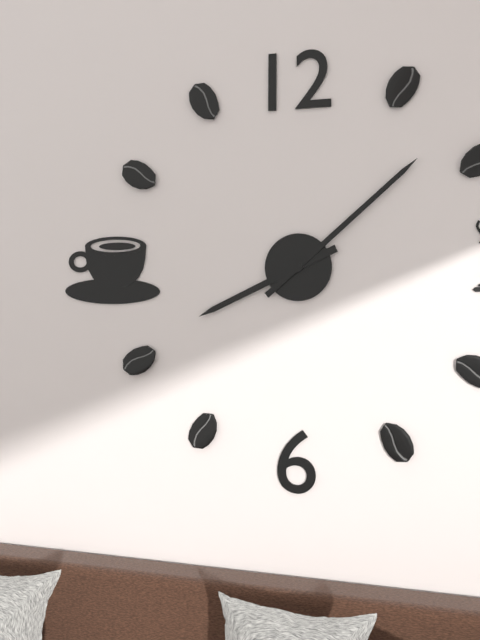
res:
h=8 m=8
